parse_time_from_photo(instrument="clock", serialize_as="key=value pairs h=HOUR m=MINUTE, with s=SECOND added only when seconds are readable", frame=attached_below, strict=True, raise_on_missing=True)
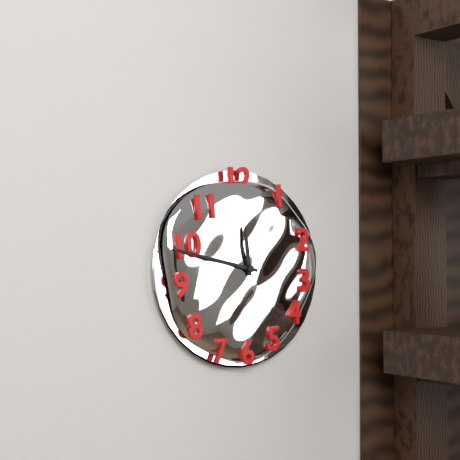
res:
h=11 m=47
